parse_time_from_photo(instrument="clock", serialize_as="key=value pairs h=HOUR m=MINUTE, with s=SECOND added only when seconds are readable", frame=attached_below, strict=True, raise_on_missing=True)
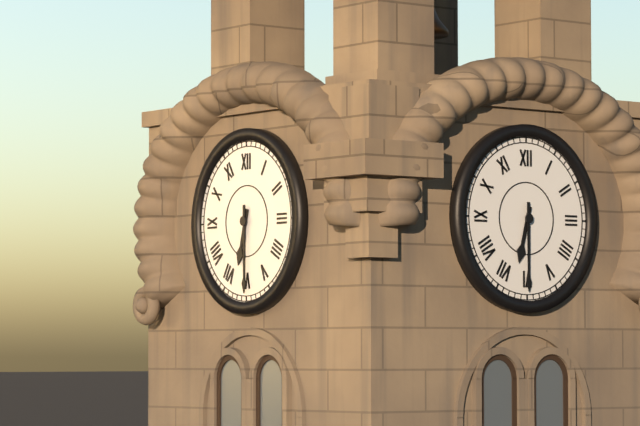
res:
h=6 m=30
